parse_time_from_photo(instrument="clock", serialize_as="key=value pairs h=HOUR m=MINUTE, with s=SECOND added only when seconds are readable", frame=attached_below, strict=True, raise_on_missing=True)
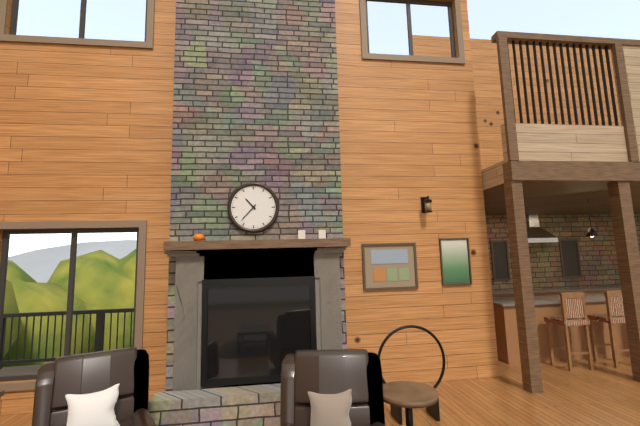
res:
h=10 m=37
